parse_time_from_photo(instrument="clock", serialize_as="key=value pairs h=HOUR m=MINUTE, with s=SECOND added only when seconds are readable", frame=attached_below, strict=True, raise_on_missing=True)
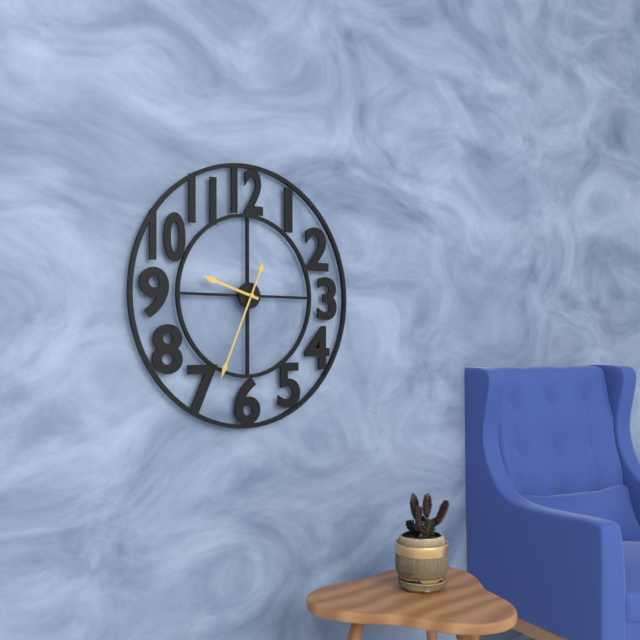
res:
h=9 m=34
